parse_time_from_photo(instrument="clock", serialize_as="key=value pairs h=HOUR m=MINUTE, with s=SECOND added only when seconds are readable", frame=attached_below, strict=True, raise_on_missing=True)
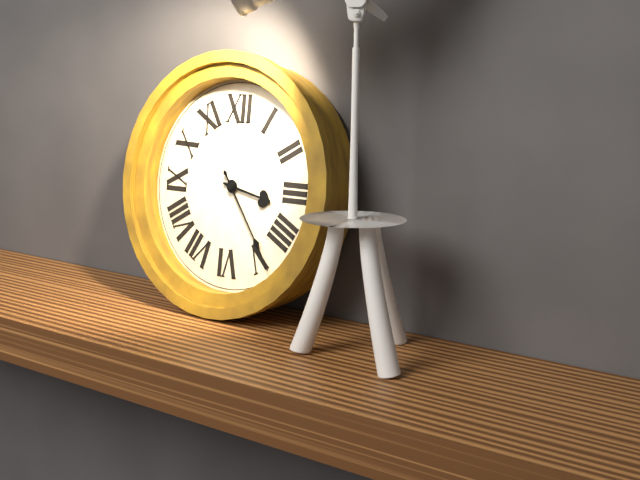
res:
h=3 m=24
